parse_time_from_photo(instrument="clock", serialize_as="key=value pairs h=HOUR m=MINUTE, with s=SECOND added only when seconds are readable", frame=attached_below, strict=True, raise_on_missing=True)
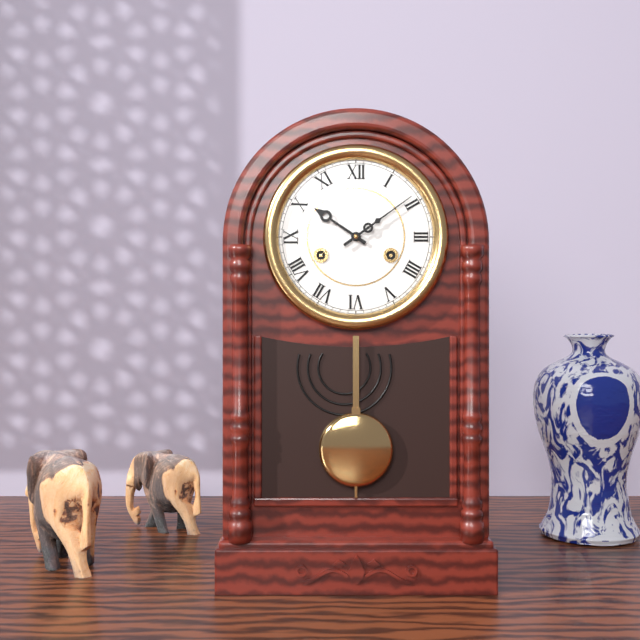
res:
h=10 m=9
